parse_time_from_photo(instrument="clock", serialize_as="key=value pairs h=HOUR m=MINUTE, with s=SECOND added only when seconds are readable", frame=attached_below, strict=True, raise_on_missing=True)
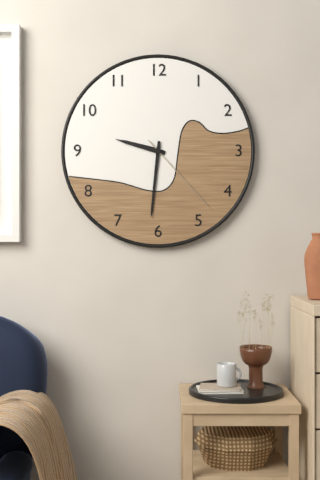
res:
h=9 m=31 s=23
